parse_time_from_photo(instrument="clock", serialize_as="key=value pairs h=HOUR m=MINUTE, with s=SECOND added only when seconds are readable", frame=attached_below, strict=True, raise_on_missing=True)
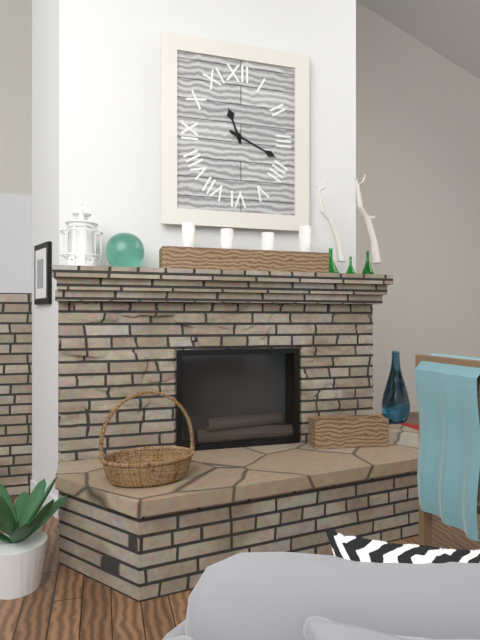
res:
h=11 m=19
